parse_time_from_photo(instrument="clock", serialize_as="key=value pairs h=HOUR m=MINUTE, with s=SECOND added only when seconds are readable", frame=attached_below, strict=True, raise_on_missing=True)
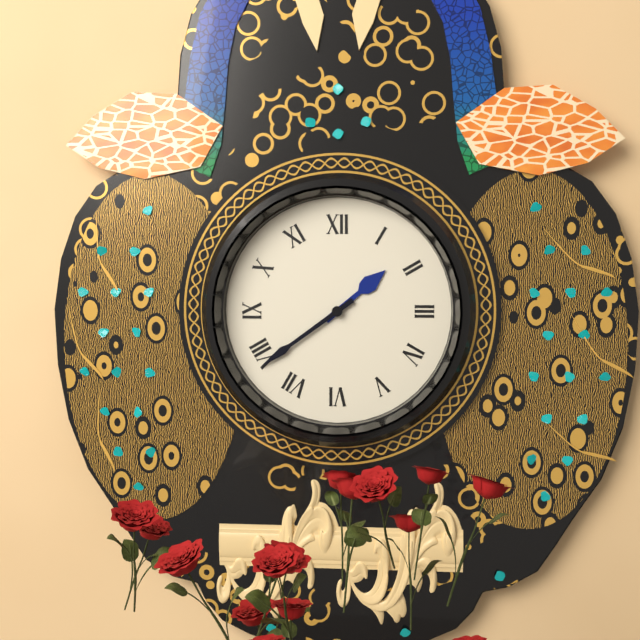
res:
h=1 m=39
